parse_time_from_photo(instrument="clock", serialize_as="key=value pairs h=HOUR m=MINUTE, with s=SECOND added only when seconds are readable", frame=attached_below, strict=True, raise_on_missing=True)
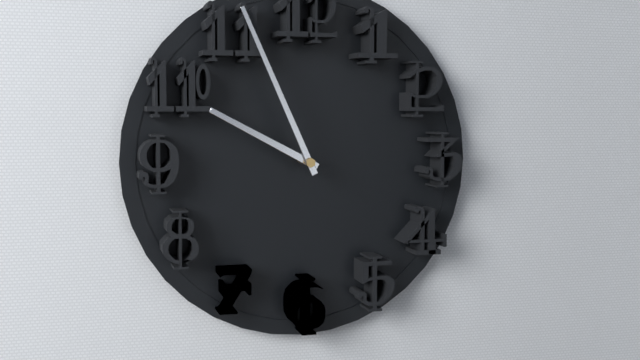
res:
h=9 m=56
